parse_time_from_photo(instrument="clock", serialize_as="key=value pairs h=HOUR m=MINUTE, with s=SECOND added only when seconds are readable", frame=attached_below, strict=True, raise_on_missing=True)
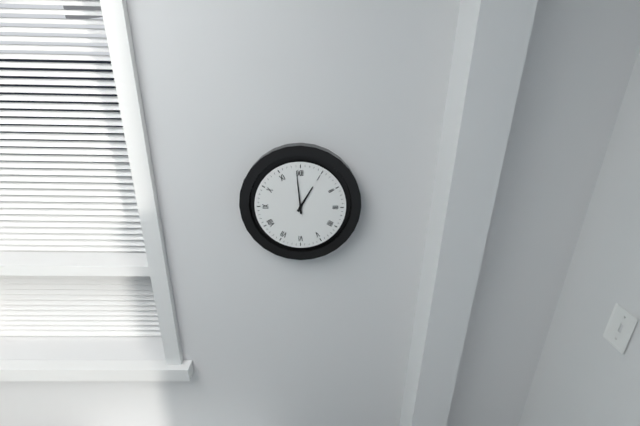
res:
h=12 m=59
